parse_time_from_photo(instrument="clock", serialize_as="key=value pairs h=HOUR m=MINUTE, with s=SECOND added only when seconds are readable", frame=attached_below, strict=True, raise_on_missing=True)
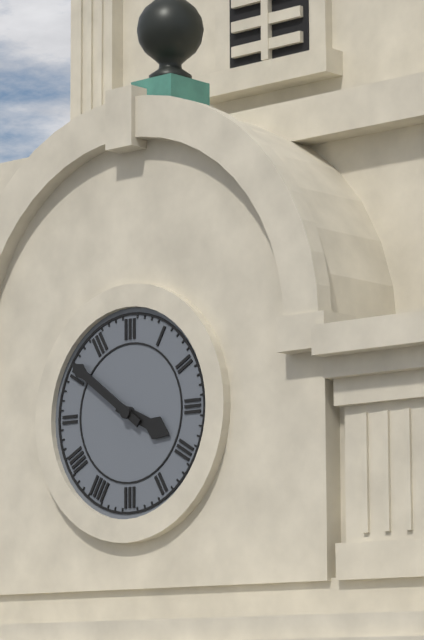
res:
h=3 m=51
